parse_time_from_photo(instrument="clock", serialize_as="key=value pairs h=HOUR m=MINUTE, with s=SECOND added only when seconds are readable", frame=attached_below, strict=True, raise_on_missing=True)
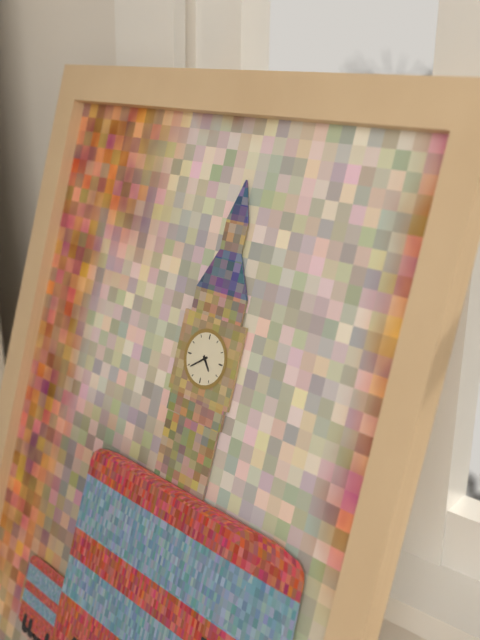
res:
h=4 m=39
